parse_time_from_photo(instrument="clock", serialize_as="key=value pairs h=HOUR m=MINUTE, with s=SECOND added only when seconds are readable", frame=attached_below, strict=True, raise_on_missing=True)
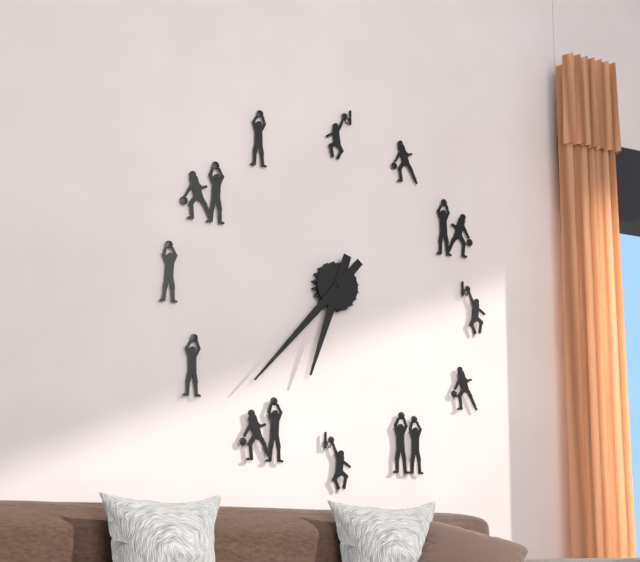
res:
h=6 m=37
